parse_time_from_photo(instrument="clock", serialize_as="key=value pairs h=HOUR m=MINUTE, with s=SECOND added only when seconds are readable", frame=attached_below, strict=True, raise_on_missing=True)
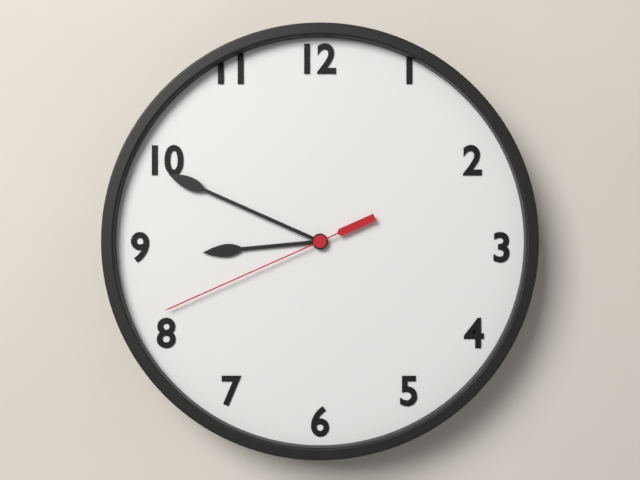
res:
h=8 m=49 s=41
